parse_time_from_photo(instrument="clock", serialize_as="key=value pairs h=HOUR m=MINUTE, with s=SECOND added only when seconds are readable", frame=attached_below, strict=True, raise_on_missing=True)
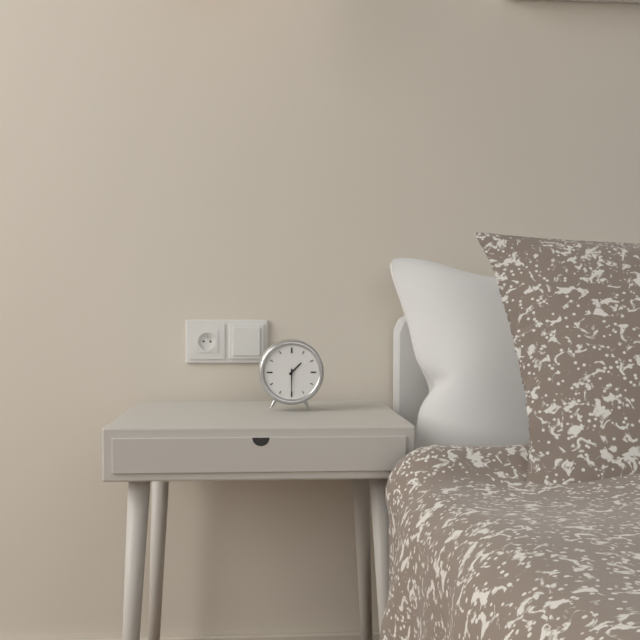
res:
h=1 m=30
